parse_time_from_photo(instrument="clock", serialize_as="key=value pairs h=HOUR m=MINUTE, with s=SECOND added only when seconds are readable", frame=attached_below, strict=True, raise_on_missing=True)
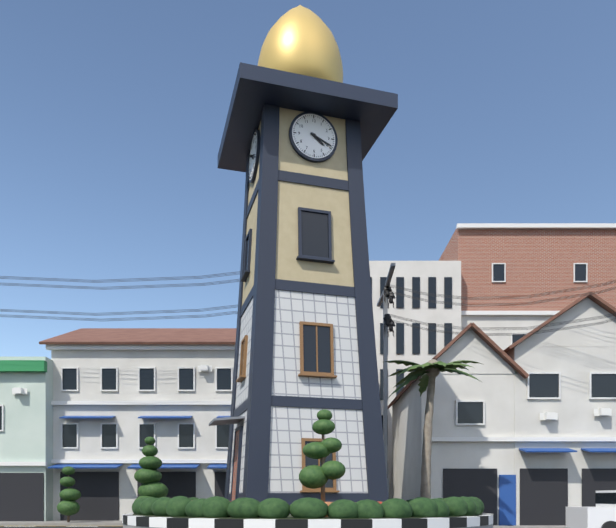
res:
h=4 m=19
